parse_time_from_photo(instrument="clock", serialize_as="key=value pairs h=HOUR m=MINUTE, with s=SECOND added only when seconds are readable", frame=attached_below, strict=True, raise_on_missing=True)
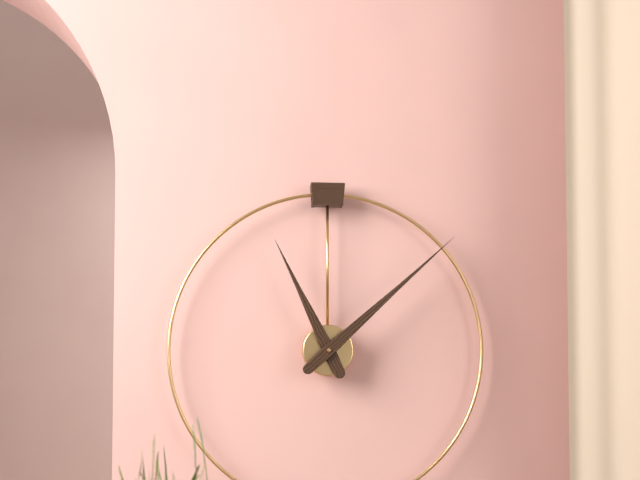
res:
h=11 m=8
